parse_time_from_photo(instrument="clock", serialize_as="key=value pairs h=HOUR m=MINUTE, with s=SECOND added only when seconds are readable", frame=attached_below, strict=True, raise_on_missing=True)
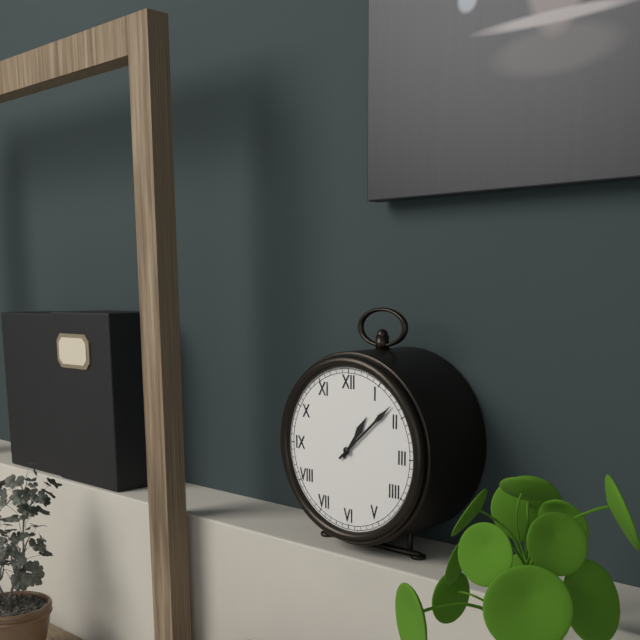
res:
h=1 m=8
